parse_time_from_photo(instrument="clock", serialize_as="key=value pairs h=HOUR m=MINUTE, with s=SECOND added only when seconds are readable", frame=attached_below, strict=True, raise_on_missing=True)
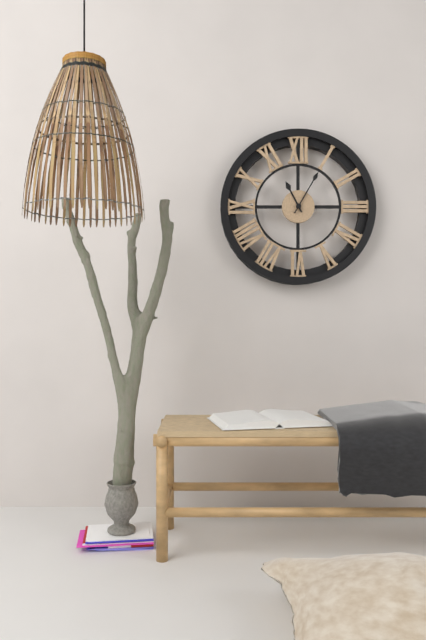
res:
h=11 m=5
